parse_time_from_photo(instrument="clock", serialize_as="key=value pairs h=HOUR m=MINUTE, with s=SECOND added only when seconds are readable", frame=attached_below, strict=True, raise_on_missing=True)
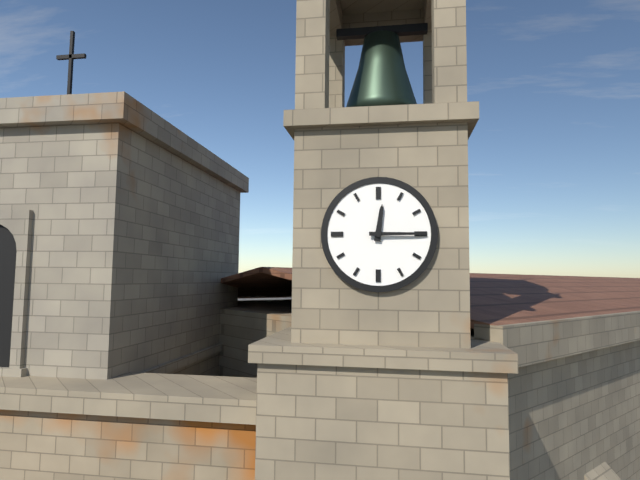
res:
h=12 m=15
